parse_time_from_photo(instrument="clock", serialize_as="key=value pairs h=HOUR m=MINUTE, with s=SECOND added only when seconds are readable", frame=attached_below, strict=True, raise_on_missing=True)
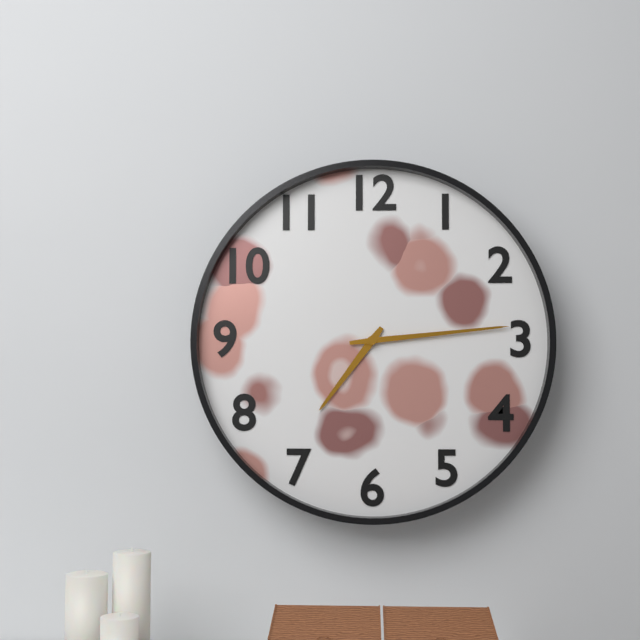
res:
h=7 m=14
